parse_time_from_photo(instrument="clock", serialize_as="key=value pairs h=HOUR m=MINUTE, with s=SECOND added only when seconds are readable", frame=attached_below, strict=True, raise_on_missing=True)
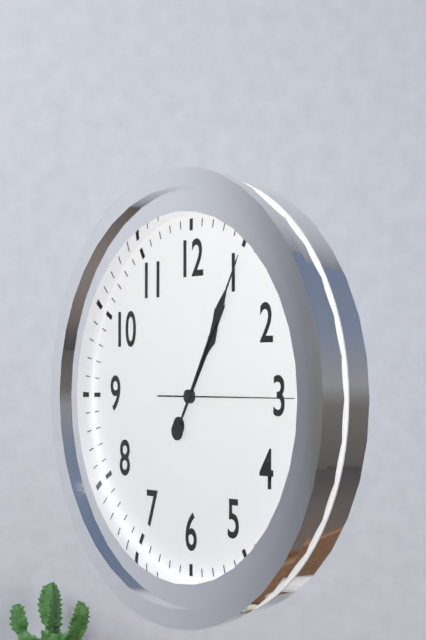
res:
h=1 m=5 s=15
